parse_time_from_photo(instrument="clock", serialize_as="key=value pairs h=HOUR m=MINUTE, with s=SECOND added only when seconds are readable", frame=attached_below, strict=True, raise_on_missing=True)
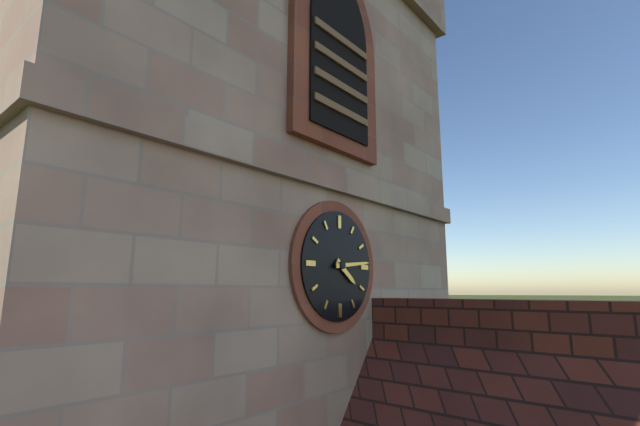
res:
h=4 m=14
